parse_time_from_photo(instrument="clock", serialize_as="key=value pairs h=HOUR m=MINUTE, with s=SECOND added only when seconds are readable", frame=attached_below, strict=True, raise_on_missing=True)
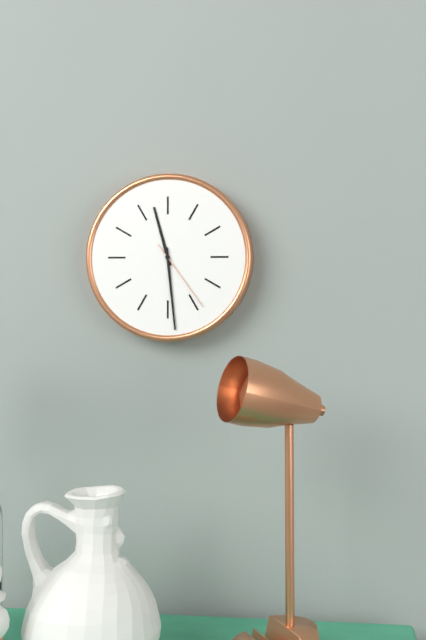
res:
h=11 m=29 s=24
